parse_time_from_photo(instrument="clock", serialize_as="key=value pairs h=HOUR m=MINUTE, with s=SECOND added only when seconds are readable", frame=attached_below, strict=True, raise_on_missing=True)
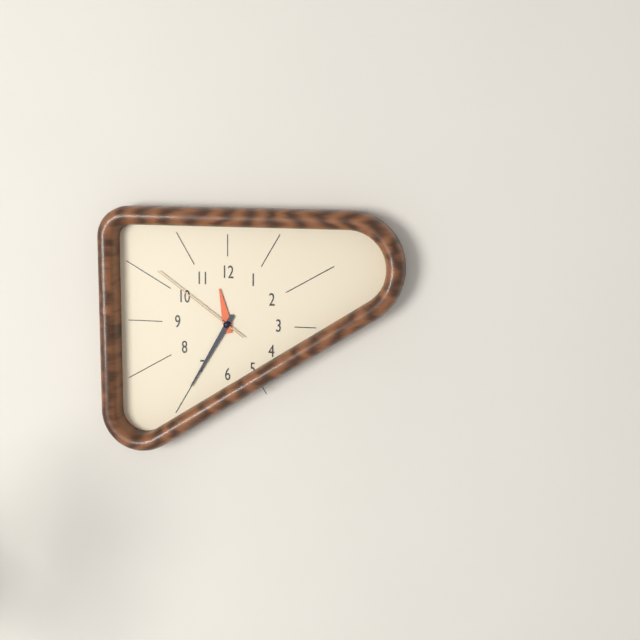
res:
h=11 m=35 s=51
